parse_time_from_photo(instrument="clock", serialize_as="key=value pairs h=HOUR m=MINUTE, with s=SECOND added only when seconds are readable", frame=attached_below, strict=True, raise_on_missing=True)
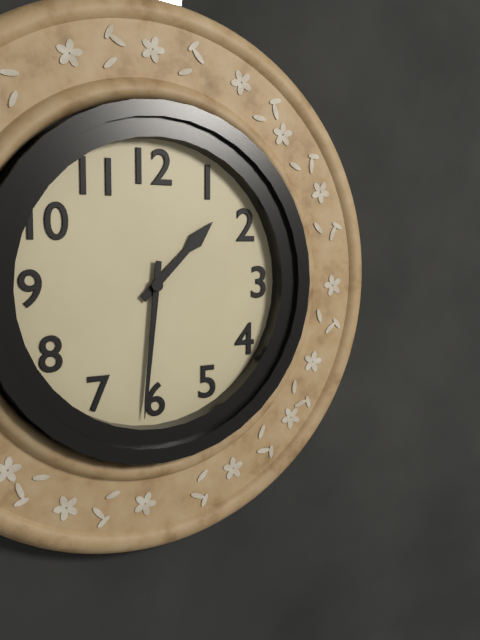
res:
h=1 m=31
